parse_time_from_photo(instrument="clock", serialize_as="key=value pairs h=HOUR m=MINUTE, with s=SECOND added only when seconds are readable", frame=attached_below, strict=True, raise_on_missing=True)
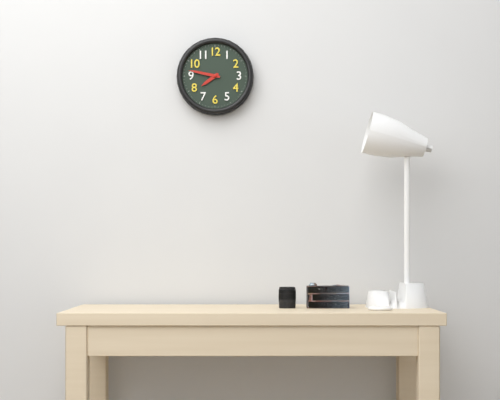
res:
h=7 m=47
